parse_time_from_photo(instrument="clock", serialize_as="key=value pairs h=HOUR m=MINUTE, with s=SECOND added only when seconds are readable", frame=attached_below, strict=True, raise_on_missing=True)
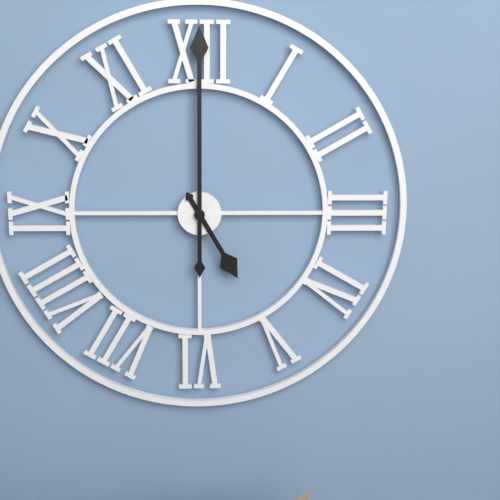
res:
h=5 m=0
